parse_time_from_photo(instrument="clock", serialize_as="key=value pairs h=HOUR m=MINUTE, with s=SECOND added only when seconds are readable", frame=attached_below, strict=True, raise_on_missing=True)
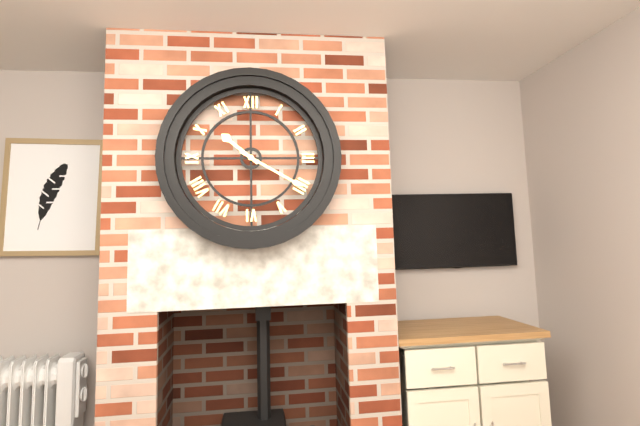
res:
h=10 m=20
